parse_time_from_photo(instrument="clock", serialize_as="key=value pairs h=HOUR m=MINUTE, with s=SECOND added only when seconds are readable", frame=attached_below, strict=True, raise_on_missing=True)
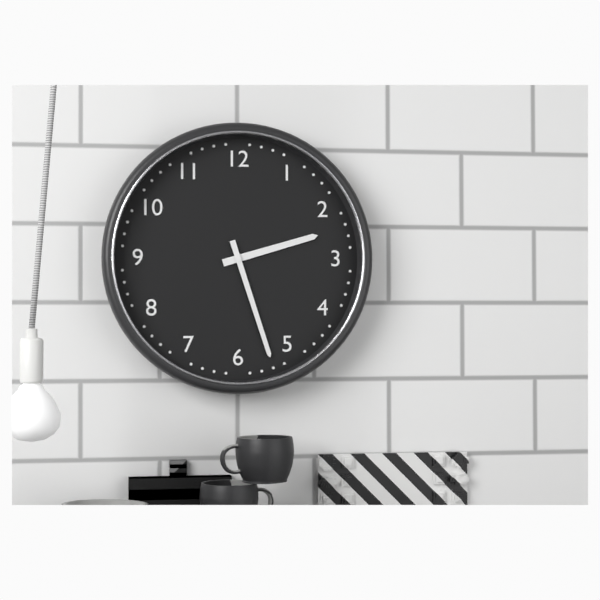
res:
h=2 m=27
